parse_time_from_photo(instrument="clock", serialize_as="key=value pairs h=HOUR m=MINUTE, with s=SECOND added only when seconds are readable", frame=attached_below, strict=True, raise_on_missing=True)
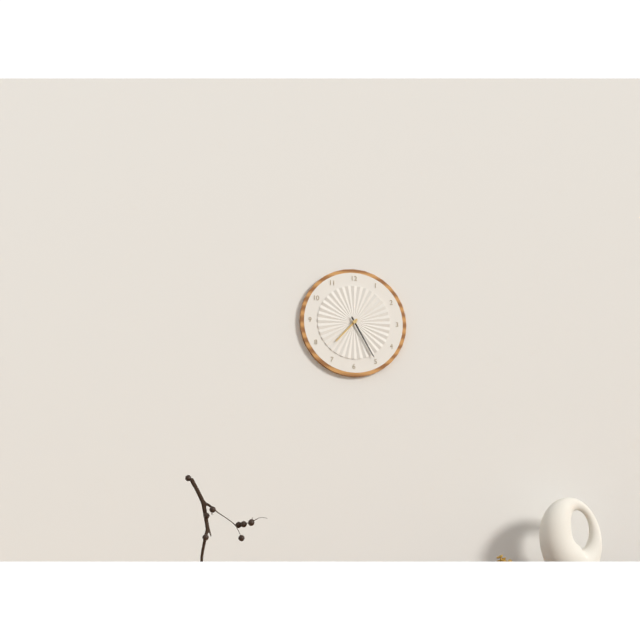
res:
h=7 m=25
